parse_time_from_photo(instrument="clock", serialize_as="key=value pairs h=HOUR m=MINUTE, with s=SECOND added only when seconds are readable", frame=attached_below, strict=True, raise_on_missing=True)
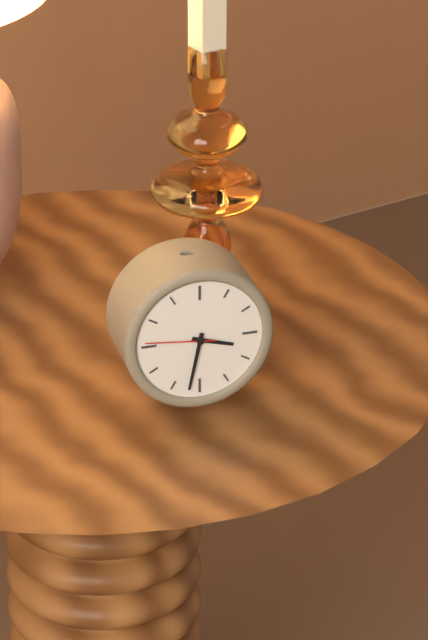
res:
h=3 m=32 s=46
